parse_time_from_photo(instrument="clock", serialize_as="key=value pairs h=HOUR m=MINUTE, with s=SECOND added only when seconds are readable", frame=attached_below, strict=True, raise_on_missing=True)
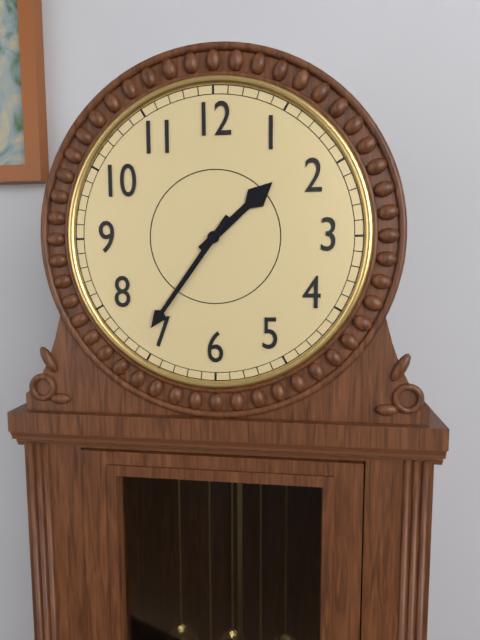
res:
h=1 m=36
